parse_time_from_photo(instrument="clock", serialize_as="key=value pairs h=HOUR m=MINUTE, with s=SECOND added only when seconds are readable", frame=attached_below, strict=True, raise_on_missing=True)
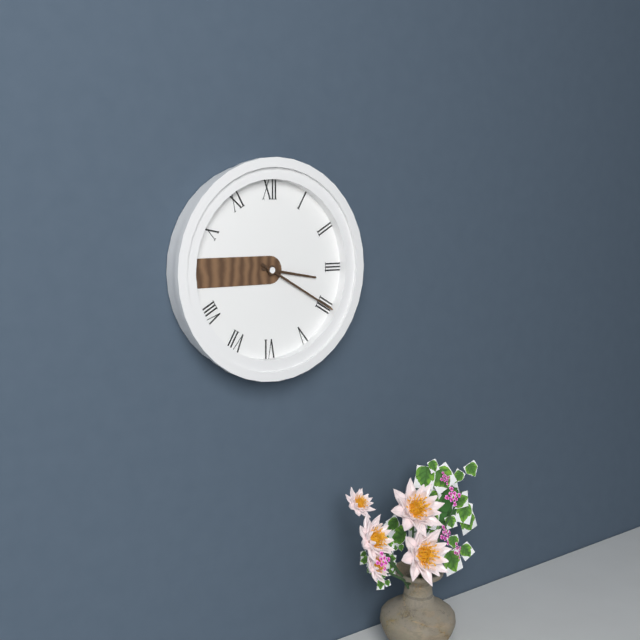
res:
h=3 m=20
